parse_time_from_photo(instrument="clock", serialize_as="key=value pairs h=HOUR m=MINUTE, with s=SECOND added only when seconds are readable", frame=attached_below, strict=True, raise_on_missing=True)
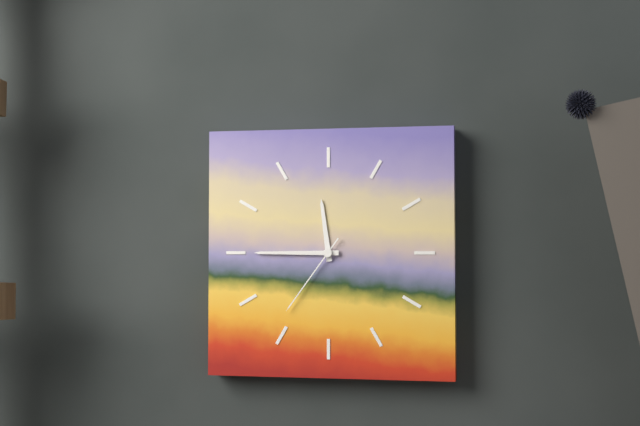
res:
h=11 m=45 s=36
